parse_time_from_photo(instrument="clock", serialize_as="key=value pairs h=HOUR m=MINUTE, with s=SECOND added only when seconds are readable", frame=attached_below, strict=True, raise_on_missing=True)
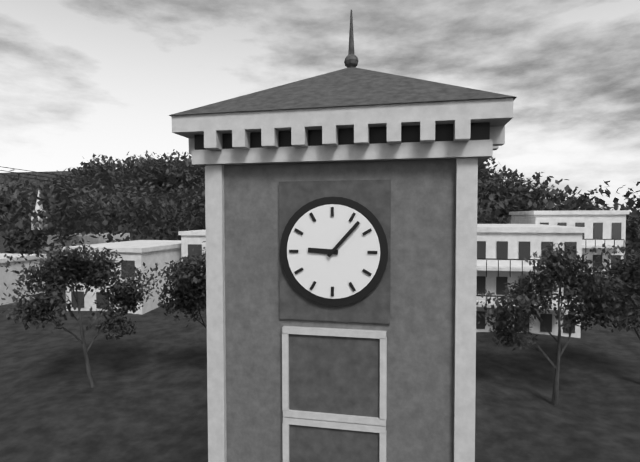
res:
h=9 m=7
